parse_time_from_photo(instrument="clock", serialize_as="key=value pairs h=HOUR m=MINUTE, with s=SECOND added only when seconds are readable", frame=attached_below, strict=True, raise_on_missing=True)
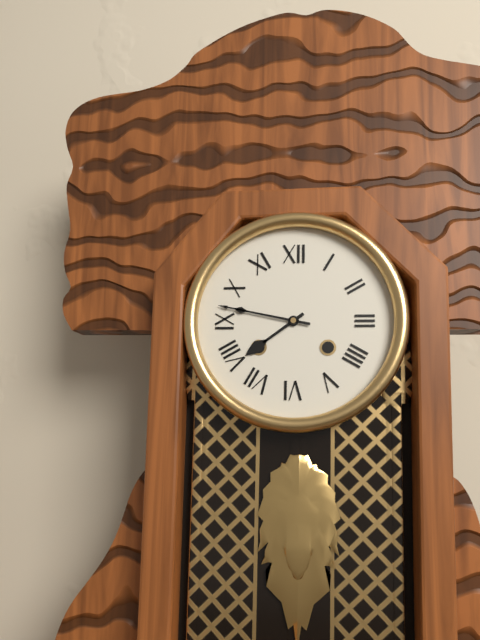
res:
h=7 m=47
